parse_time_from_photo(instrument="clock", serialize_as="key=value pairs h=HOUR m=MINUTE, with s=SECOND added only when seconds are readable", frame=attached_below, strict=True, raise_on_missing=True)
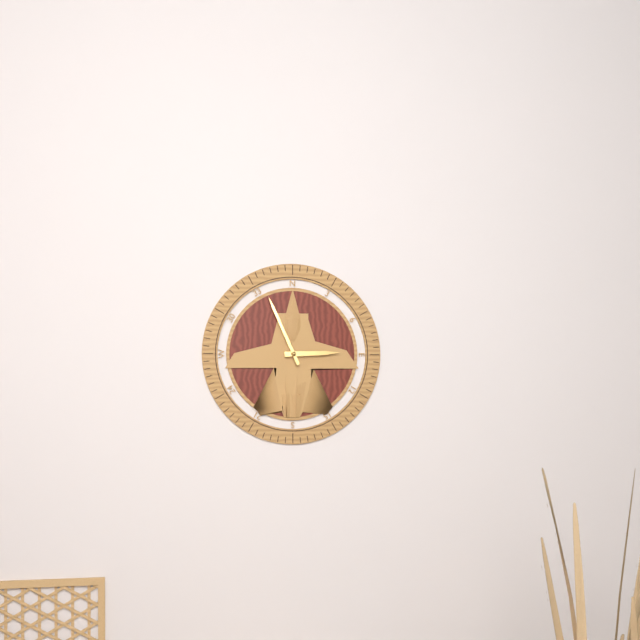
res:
h=2 m=56
